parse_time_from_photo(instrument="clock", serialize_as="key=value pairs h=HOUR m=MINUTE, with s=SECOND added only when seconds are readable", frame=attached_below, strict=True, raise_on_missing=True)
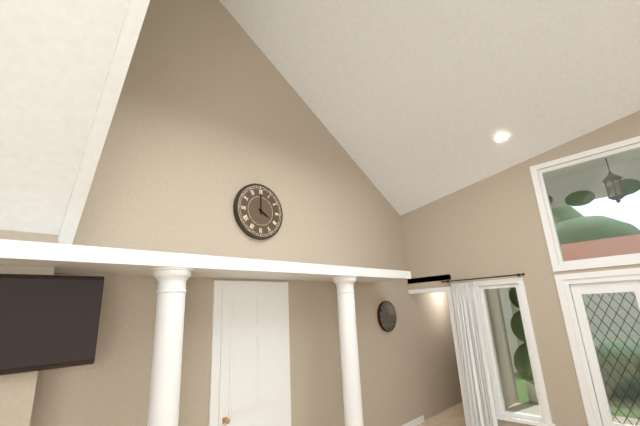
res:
h=4 m=0
